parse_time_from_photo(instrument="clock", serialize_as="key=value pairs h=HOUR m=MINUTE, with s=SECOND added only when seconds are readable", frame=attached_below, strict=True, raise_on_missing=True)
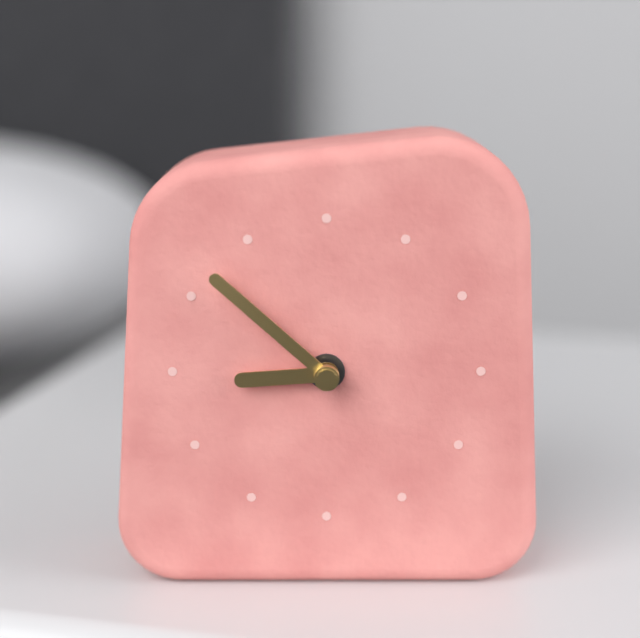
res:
h=8 m=52
